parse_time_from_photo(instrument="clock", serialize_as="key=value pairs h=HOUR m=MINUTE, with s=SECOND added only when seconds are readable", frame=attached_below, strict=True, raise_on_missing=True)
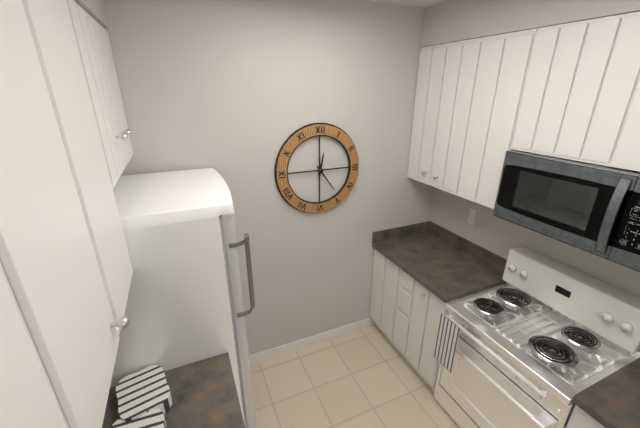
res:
h=12 m=24
